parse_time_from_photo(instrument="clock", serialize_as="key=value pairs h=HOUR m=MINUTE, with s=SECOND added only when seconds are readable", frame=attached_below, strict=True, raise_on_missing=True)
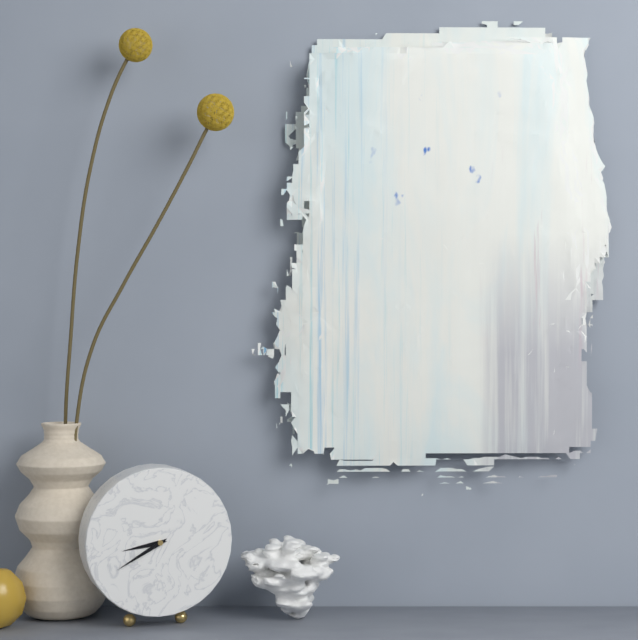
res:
h=8 m=40
